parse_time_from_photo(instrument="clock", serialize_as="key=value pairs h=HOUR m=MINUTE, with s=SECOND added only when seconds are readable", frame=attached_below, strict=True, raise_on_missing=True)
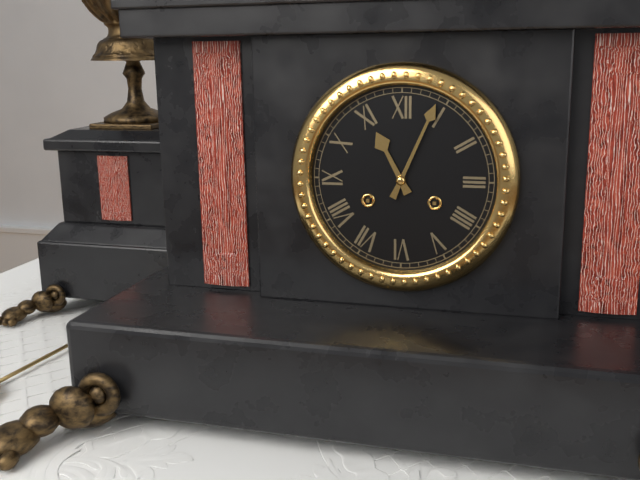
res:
h=11 m=4
